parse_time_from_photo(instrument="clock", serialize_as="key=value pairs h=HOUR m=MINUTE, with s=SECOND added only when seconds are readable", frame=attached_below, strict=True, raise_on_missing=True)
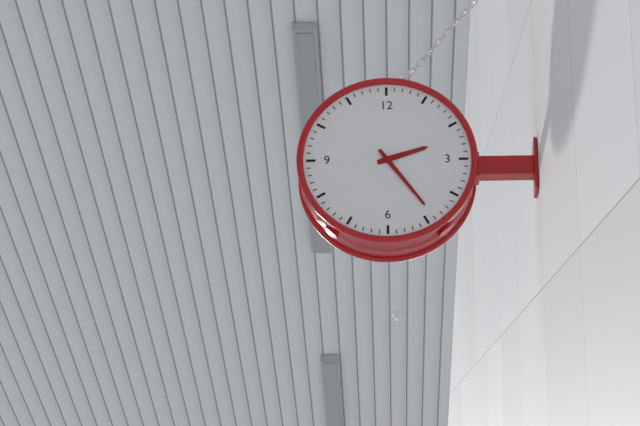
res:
h=2 m=24
